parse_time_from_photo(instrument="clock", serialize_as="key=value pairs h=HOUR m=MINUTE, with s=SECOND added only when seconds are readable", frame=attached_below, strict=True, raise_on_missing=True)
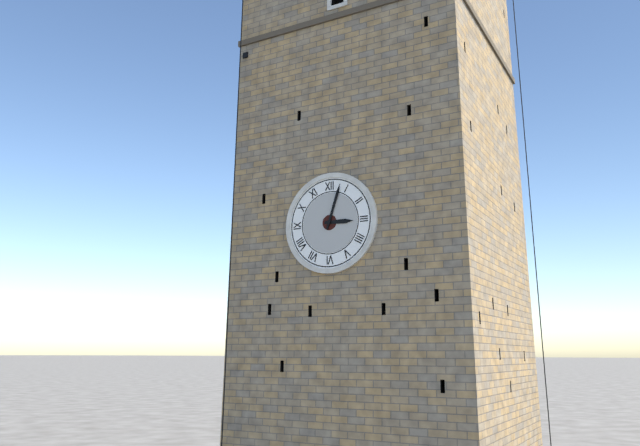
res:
h=3 m=3
